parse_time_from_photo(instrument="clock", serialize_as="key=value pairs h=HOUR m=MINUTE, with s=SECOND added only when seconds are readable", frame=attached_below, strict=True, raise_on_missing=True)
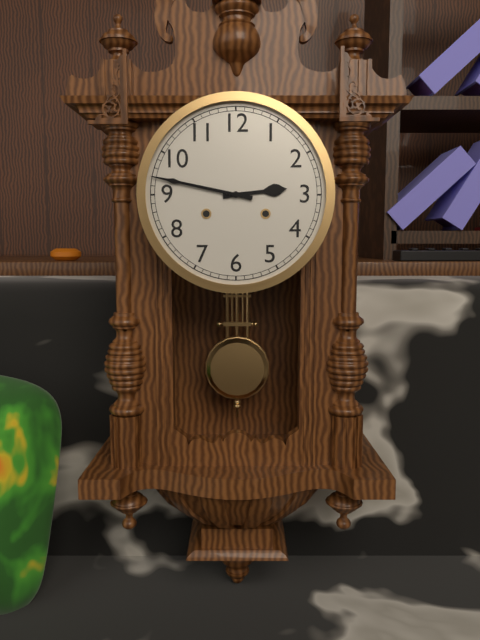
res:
h=2 m=47
